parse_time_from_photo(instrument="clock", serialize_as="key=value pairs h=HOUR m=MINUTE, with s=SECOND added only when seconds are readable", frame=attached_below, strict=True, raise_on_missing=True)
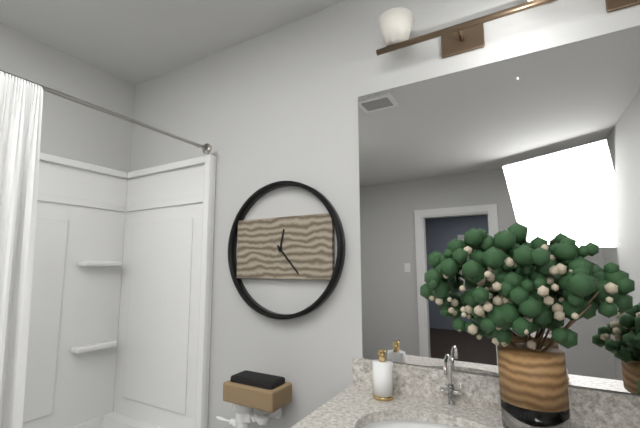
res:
h=12 m=23
